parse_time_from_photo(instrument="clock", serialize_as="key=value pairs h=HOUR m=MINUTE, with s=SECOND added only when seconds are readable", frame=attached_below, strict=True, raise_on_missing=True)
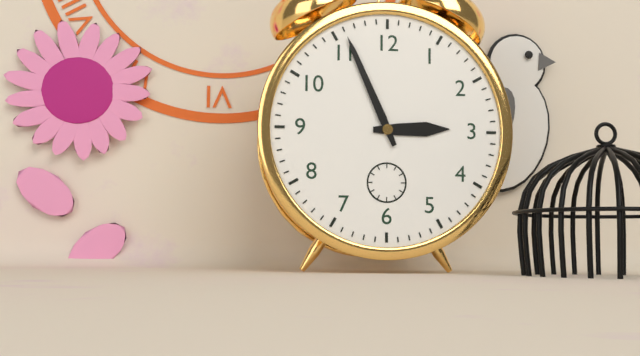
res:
h=2 m=56
